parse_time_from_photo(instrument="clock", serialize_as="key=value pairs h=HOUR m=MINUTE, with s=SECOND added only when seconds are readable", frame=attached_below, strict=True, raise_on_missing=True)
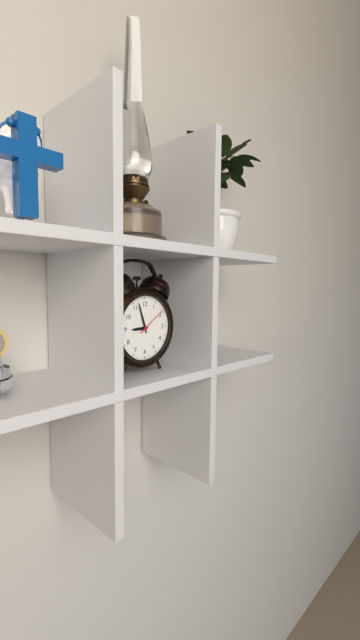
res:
h=8 m=57
